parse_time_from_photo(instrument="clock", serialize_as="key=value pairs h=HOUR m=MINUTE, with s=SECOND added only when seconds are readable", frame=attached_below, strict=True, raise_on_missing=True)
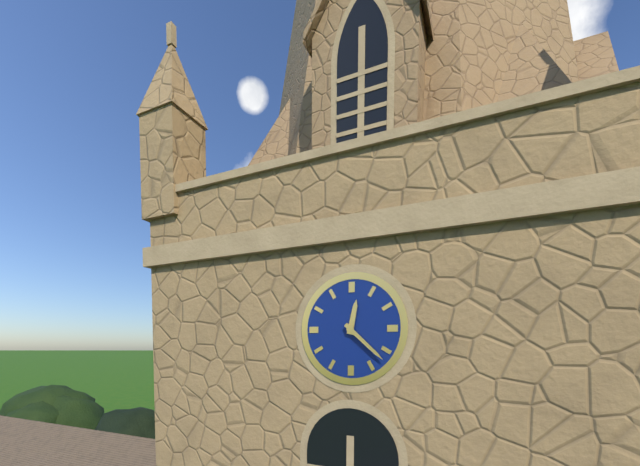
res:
h=12 m=22
